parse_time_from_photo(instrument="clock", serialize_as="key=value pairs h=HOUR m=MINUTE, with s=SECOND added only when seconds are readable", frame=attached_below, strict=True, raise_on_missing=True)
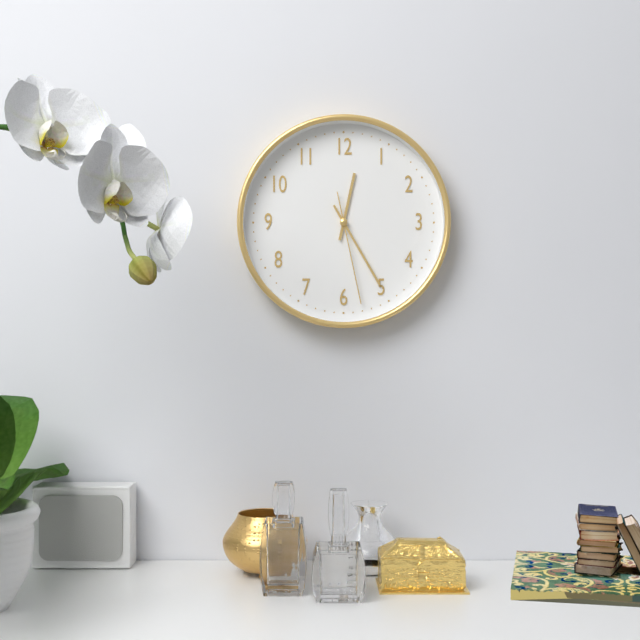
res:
h=12 m=25 s=28
